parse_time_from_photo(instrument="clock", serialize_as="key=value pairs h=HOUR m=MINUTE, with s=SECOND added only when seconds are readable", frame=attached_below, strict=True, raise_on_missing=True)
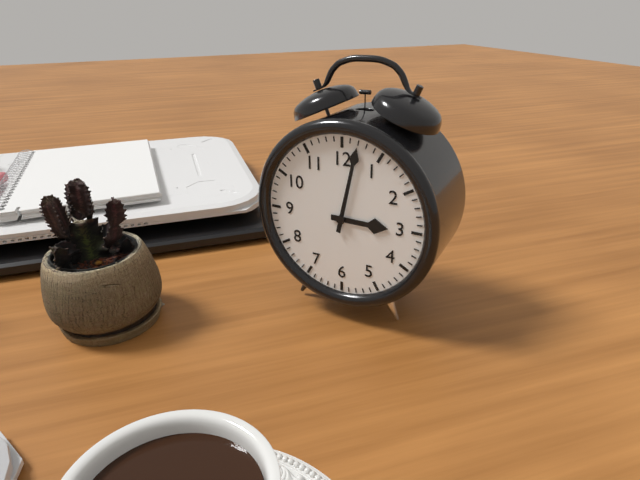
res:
h=3 m=2
